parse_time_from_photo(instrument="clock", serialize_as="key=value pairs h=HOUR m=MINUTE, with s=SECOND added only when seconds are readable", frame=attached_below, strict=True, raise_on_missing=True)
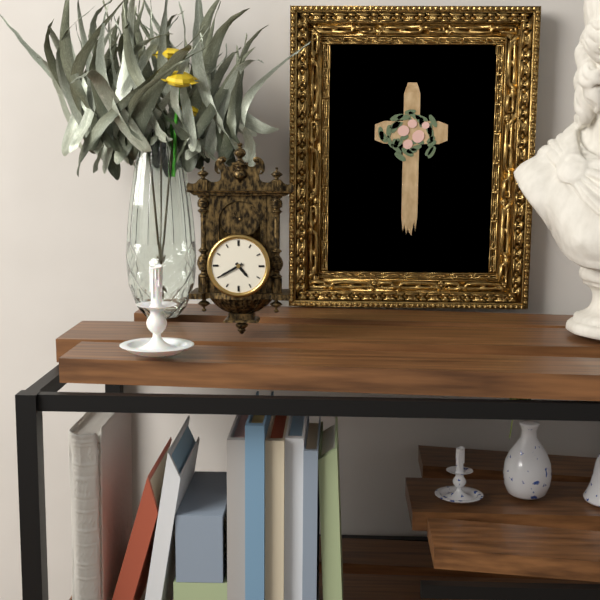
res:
h=4 m=40
